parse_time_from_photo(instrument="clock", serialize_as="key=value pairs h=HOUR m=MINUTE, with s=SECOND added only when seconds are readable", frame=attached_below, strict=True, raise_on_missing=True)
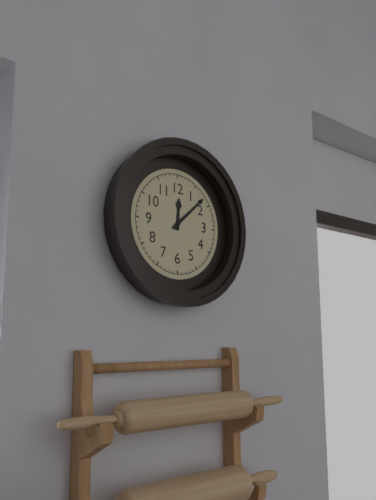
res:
h=12 m=8
